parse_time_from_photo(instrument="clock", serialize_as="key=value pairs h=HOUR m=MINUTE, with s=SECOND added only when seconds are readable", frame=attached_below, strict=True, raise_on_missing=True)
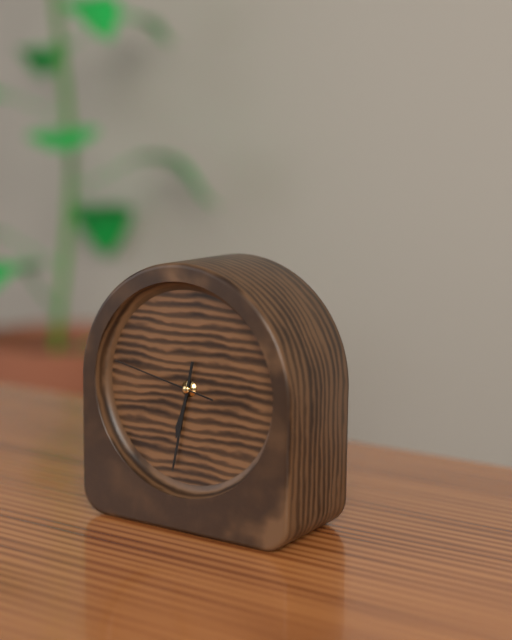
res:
h=6 m=32 s=47
